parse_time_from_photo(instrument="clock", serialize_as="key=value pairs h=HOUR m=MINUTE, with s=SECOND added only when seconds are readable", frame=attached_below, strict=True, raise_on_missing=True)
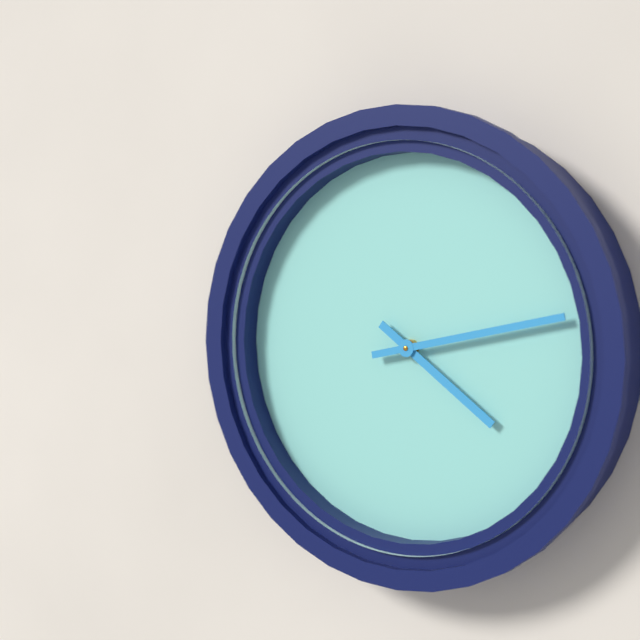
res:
h=4 m=13
